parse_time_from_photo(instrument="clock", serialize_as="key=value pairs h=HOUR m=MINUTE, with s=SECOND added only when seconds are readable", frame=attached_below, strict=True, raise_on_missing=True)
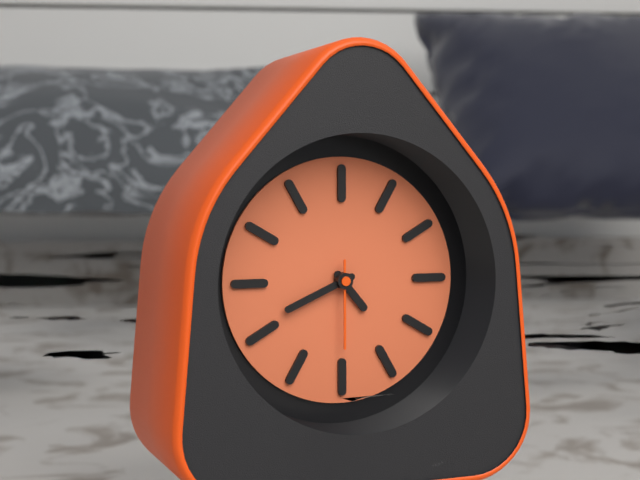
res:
h=4 m=41 s=30
